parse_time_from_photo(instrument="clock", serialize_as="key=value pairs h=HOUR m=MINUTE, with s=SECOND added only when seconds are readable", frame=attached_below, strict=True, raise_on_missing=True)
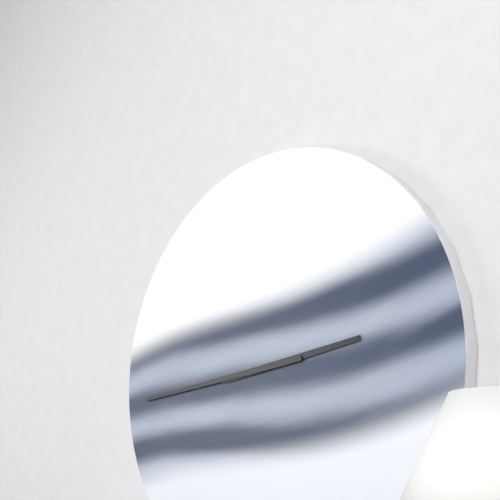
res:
h=2 m=44
